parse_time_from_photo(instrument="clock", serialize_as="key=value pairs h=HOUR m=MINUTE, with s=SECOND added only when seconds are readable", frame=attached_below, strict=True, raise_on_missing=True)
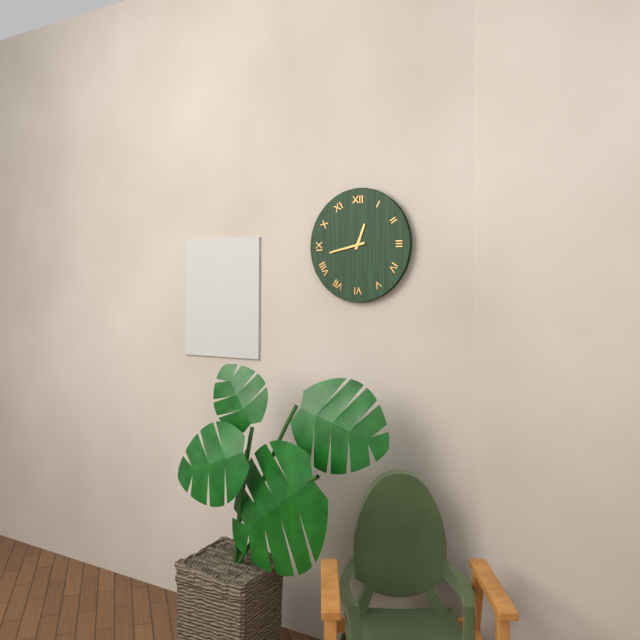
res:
h=12 m=43
